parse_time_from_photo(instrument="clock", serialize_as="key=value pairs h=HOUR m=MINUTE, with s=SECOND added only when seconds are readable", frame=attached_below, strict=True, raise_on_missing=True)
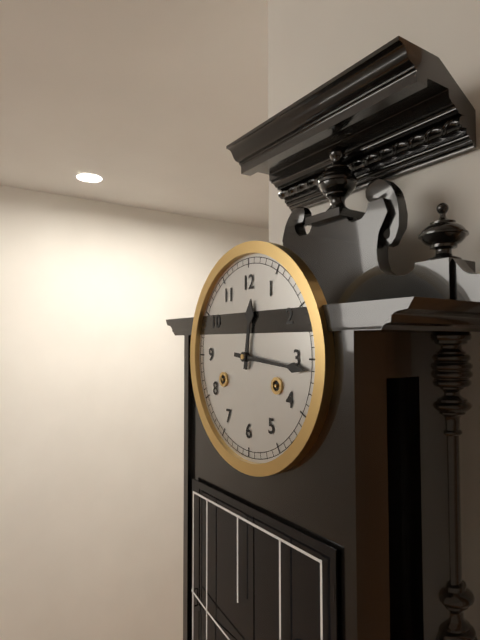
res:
h=12 m=16
